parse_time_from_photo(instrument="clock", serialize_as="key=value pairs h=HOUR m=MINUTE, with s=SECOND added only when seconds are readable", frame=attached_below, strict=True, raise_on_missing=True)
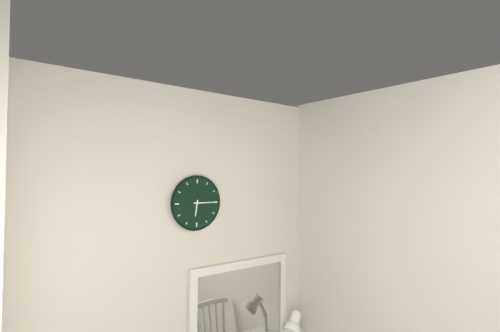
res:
h=6 m=15
